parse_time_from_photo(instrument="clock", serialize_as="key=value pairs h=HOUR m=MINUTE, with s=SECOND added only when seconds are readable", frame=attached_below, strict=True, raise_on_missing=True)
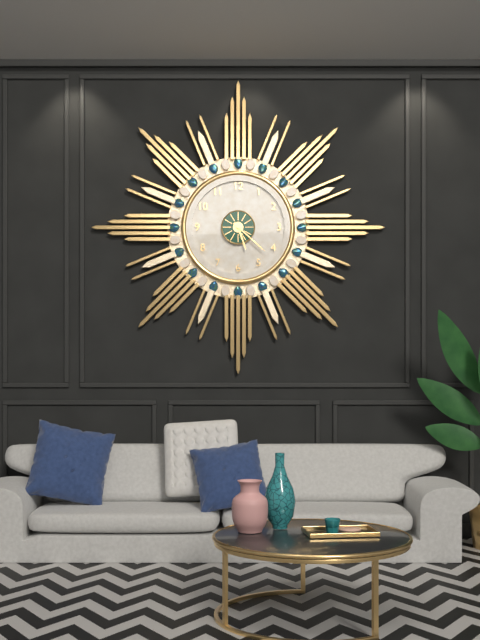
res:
h=5 m=22
